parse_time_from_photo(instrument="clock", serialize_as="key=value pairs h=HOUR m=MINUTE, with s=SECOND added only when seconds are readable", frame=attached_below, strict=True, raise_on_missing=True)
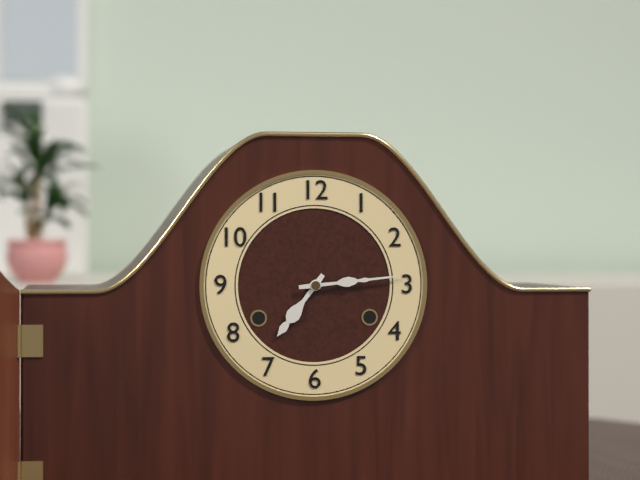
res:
h=7 m=14
